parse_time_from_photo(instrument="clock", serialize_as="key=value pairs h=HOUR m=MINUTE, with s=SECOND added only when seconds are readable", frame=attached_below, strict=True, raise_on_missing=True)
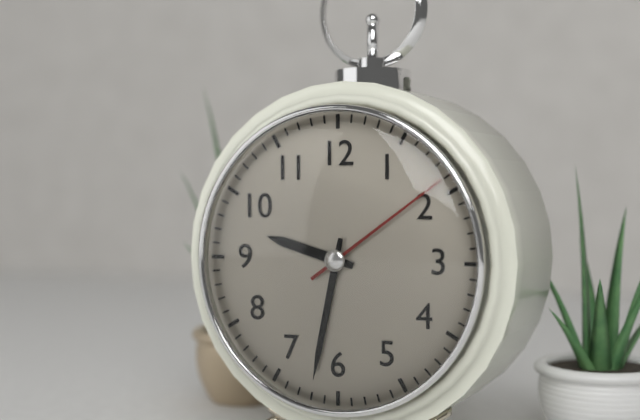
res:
h=9 m=32 s=9
